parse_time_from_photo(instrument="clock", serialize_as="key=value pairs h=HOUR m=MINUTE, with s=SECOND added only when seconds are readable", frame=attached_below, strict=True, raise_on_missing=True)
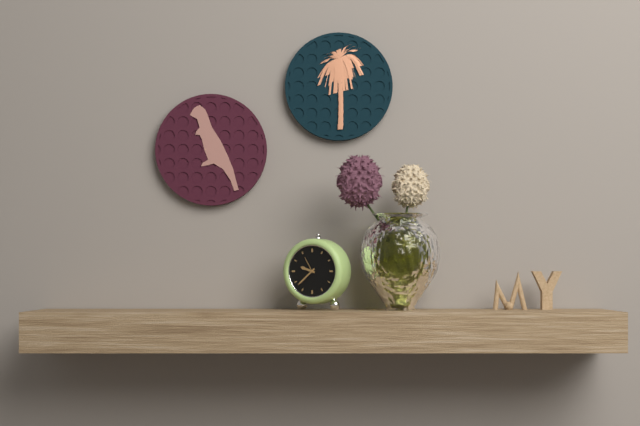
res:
h=9 m=38
